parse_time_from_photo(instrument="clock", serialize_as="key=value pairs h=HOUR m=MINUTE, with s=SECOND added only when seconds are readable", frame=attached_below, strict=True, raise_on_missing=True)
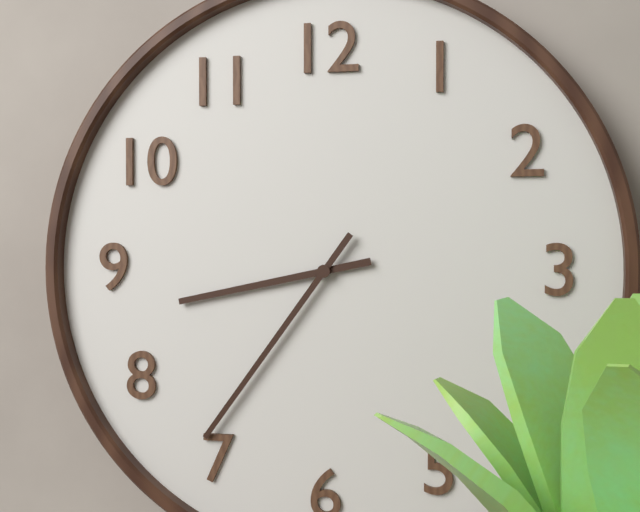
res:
h=8 m=36
